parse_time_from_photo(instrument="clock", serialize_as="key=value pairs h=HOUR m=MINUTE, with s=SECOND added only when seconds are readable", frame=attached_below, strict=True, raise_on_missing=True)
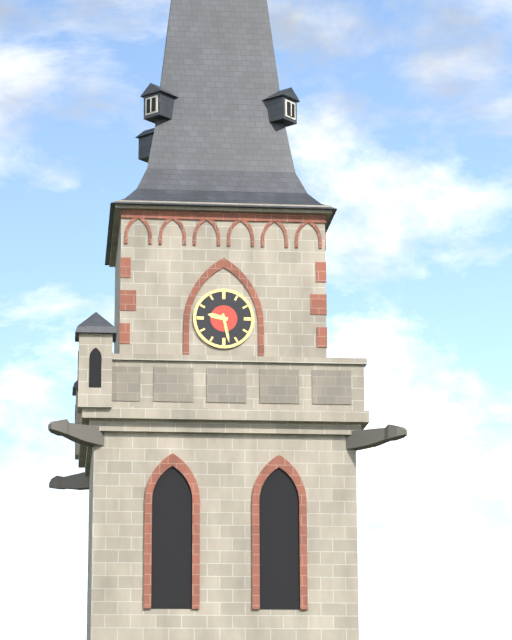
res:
h=9 m=28
